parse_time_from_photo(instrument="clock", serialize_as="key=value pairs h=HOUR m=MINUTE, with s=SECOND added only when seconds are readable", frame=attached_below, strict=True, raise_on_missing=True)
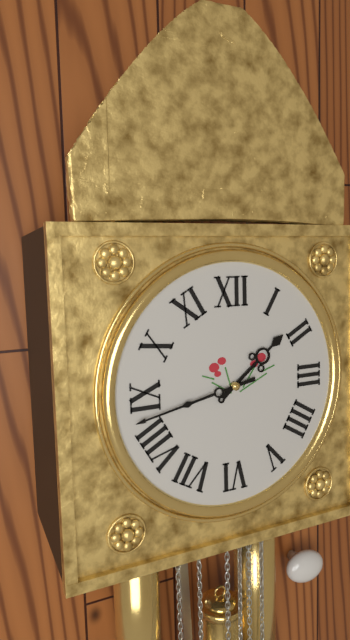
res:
h=1 m=43
